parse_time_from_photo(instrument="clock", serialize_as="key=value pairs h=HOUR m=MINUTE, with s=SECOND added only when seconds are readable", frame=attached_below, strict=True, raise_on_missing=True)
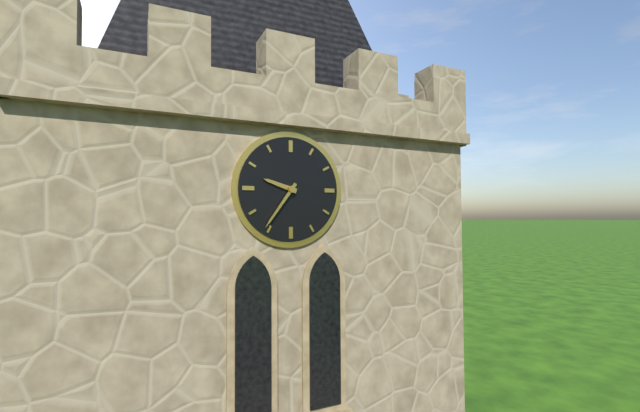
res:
h=9 m=36
